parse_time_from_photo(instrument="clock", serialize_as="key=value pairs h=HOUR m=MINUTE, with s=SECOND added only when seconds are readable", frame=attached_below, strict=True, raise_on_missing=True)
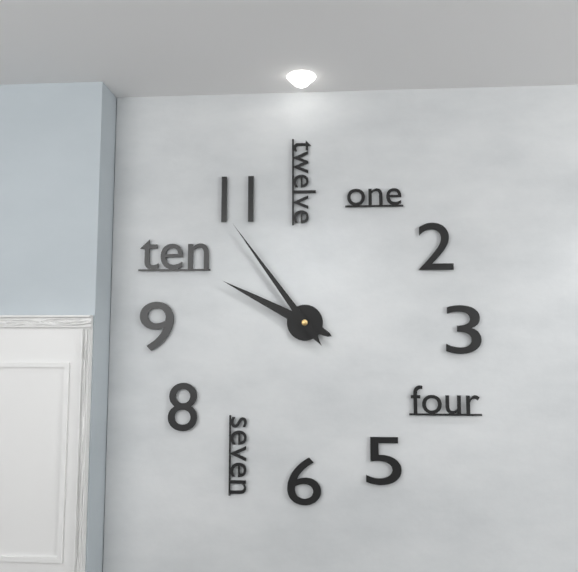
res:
h=9 m=54
